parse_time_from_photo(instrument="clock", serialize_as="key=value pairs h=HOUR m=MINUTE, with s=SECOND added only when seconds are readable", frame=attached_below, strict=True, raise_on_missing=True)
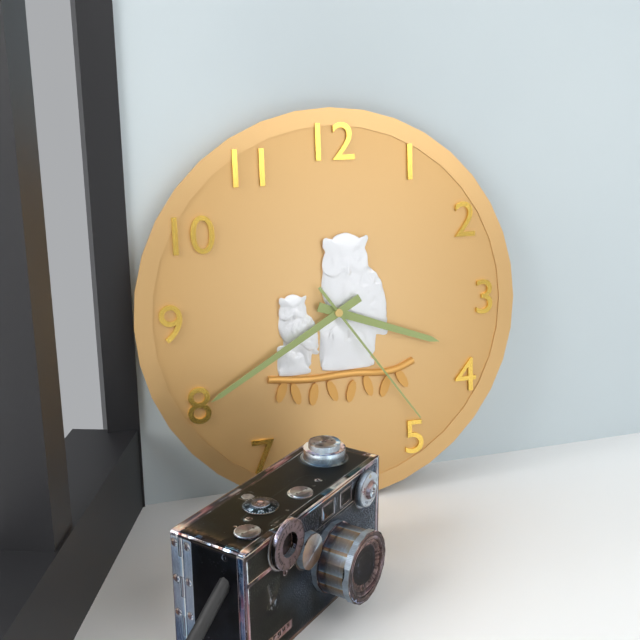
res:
h=3 m=40 s=24
